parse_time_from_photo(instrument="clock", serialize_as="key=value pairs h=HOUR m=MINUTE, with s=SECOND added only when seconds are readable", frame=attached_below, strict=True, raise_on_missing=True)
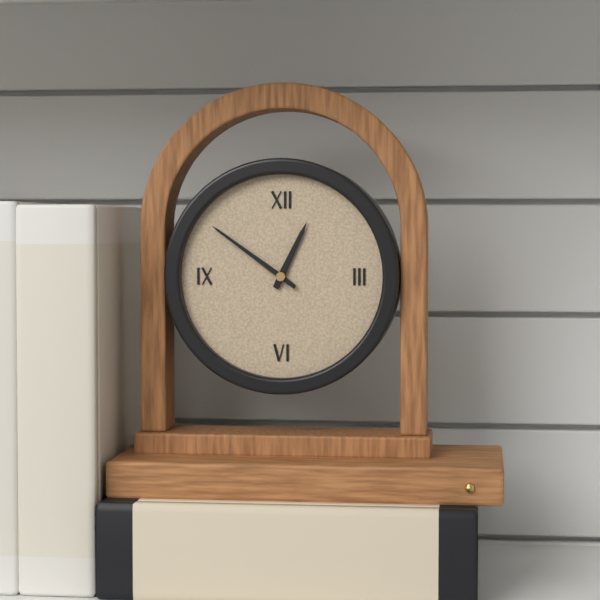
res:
h=12 m=51
